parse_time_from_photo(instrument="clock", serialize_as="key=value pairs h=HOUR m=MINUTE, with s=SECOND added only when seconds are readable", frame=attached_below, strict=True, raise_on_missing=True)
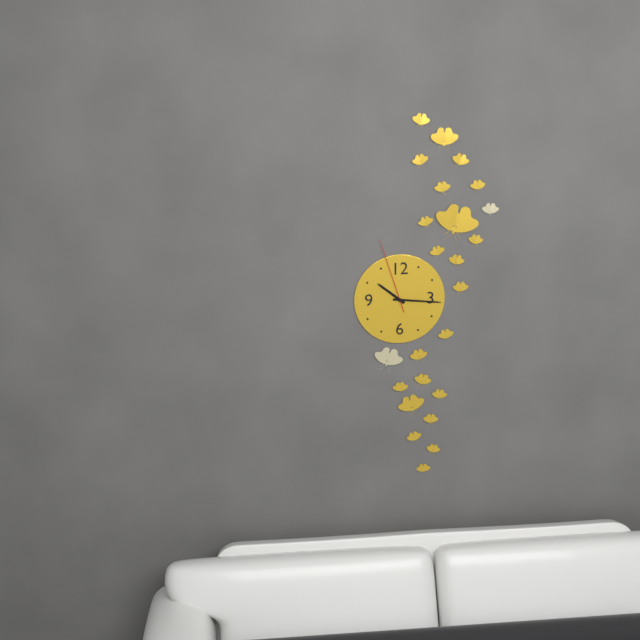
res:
h=10 m=16 s=57
